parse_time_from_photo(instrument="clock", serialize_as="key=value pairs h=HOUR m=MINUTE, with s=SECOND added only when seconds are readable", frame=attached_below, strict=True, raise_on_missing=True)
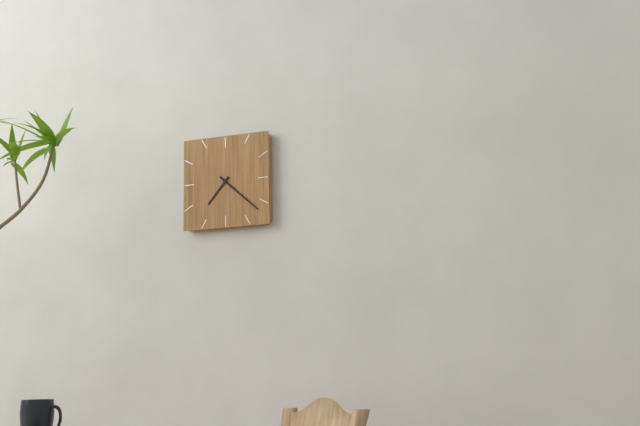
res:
h=7 m=22
